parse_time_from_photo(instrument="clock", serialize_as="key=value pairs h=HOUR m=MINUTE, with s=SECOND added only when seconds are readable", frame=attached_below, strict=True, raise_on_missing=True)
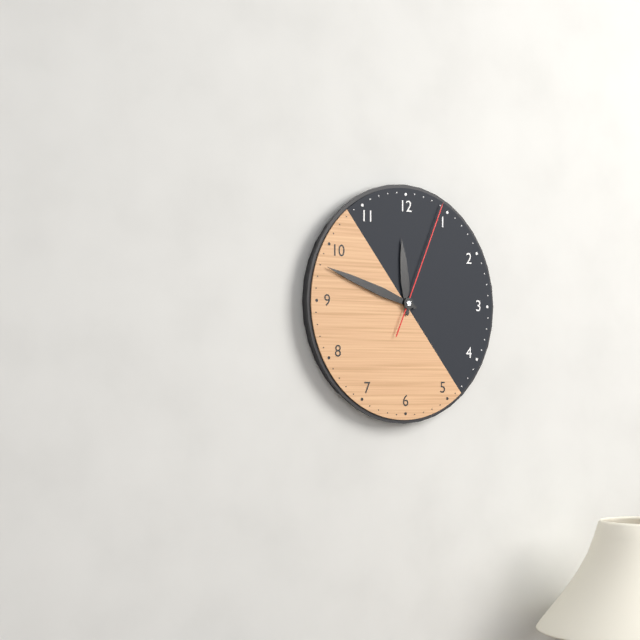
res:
h=11 m=48 s=4
